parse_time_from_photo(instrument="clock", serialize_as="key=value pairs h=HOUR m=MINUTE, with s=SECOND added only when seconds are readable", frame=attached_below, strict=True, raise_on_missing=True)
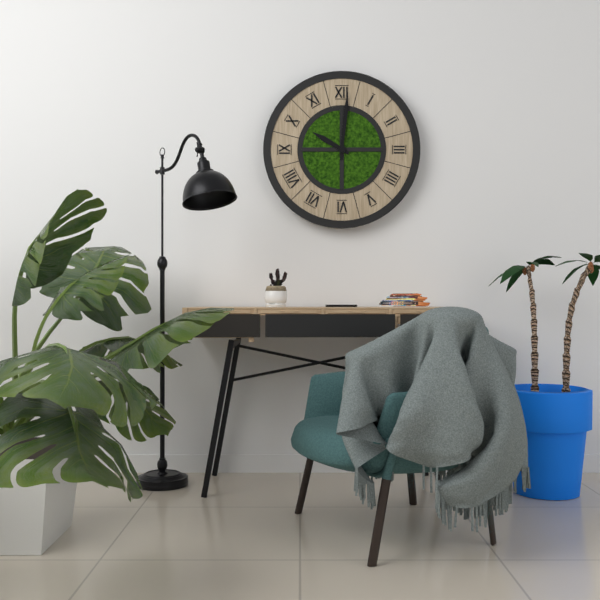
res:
h=10 m=1
